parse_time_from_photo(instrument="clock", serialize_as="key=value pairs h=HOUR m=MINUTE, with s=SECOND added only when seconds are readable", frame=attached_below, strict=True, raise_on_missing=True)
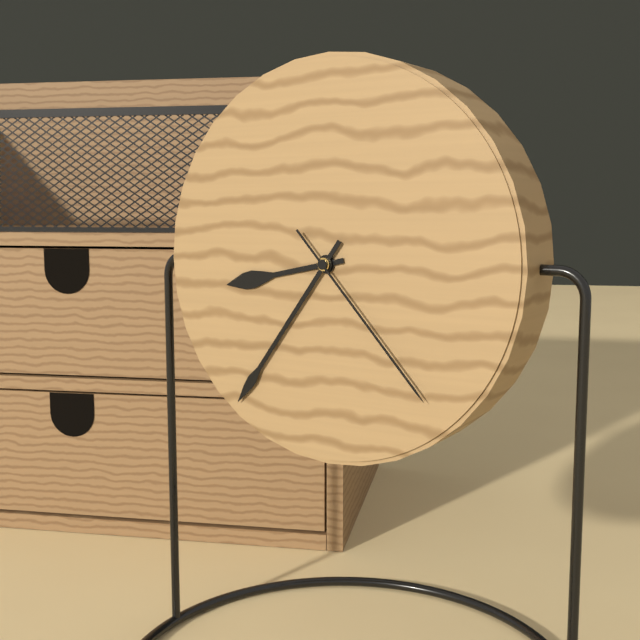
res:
h=8 m=36 s=23
